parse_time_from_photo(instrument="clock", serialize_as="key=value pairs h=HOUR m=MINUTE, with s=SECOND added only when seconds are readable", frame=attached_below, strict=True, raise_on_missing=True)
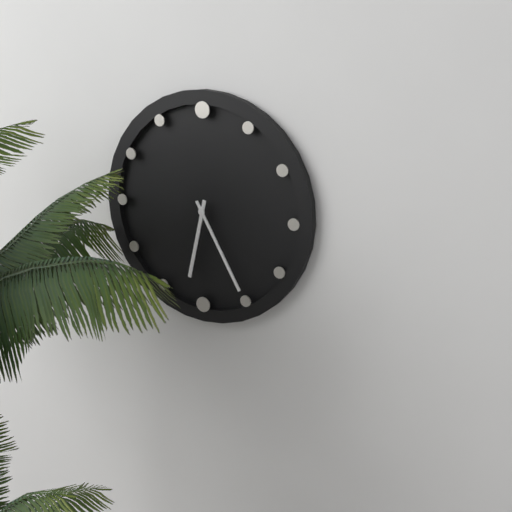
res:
h=6 m=25
